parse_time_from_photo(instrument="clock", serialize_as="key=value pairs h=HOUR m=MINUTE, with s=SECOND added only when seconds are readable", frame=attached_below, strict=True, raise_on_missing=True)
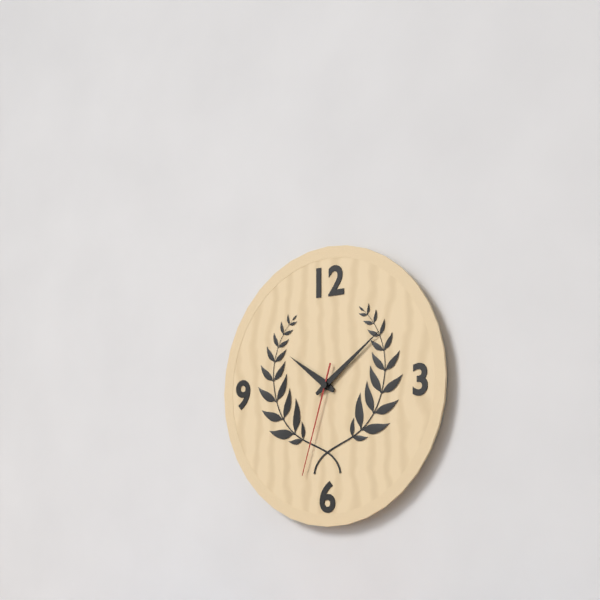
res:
h=10 m=9 s=33
